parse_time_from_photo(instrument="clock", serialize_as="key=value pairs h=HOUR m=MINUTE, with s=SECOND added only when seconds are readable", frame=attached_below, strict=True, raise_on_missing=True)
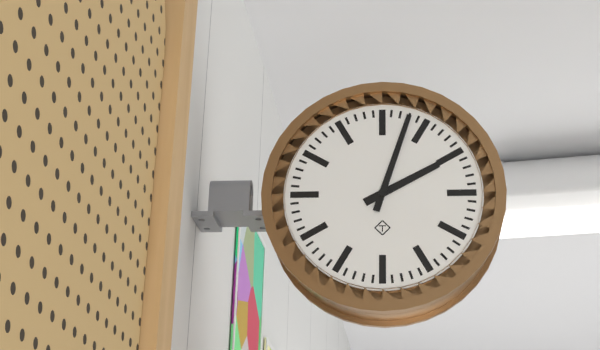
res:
h=2 m=3
